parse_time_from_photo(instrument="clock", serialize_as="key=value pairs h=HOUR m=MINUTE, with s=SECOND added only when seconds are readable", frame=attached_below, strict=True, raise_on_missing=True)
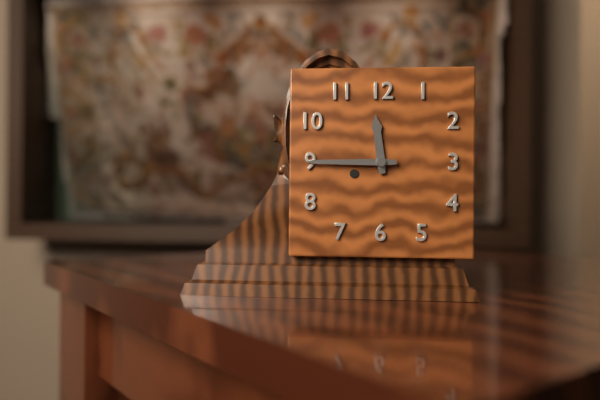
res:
h=11 m=45
